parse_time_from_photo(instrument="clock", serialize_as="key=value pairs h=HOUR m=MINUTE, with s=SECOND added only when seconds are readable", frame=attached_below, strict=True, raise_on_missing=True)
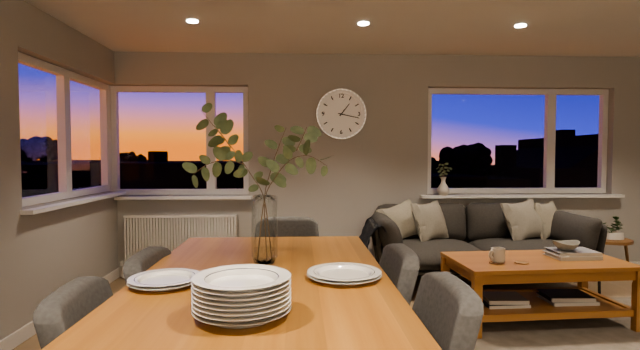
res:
h=1 m=17
